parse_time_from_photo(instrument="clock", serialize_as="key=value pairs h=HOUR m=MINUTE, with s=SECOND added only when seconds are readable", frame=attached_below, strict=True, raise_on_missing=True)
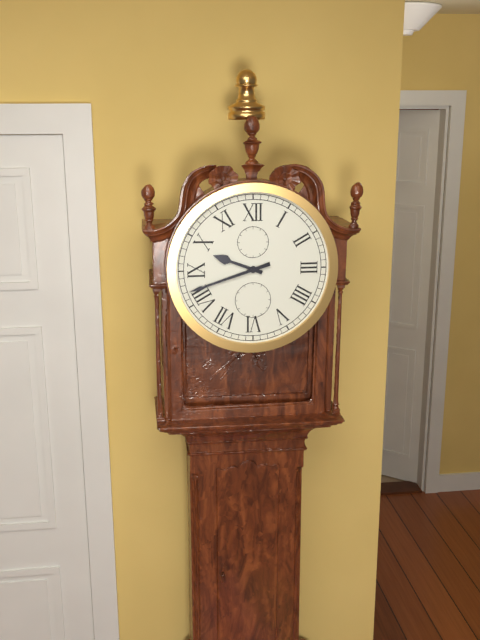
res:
h=9 m=42
